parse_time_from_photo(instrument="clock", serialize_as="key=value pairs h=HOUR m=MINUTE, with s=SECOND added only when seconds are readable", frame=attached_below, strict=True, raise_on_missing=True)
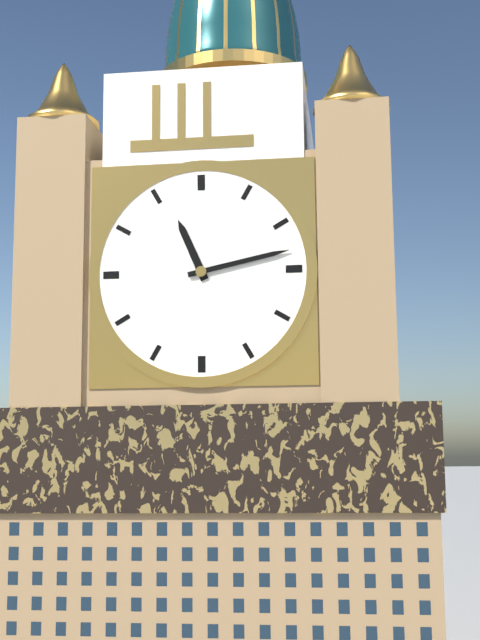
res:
h=11 m=13
